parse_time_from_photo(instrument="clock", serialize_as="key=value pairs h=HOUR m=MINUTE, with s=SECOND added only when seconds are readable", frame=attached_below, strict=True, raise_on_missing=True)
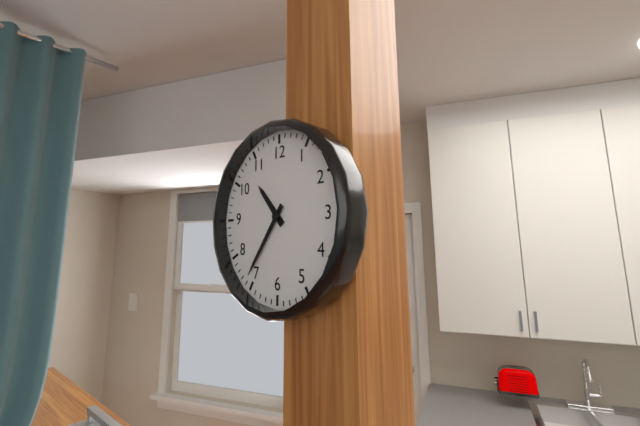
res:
h=10 m=36
